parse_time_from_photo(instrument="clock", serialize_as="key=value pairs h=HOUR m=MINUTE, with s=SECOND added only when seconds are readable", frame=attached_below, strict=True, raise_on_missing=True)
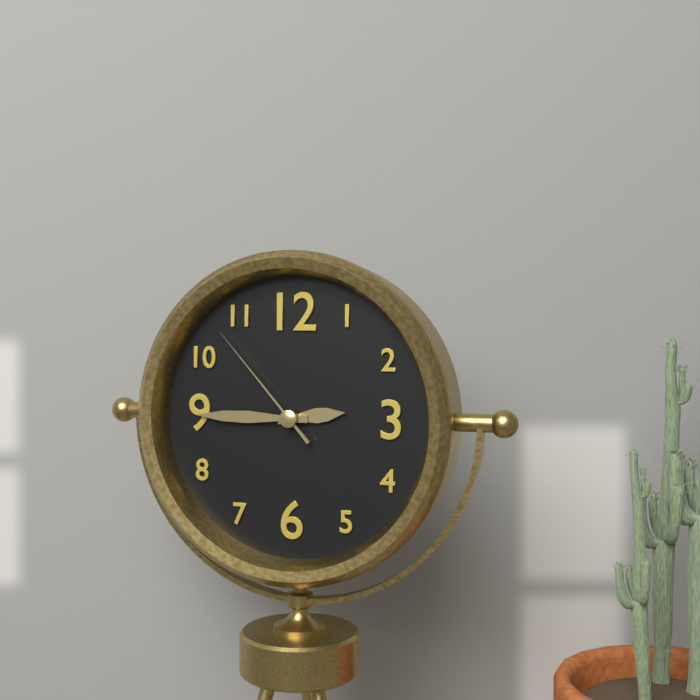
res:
h=2 m=45 s=53
